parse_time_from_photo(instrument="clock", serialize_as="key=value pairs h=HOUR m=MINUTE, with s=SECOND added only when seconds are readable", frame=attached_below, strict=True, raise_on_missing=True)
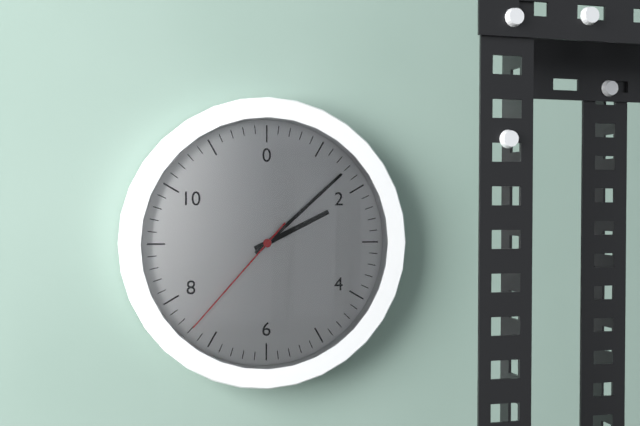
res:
h=2 m=8 s=37
